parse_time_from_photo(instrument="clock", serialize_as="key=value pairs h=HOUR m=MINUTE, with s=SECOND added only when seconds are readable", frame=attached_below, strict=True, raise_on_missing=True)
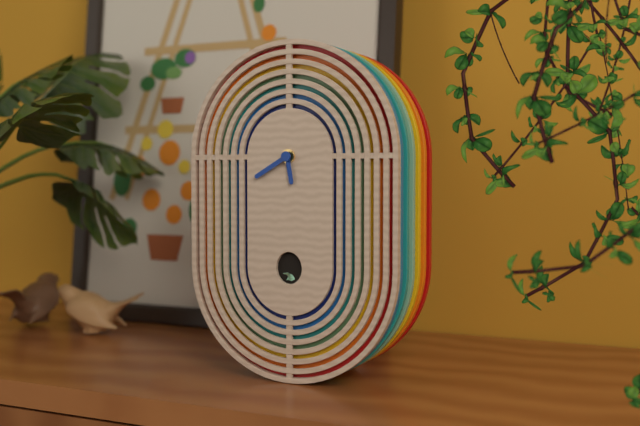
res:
h=5 m=40
